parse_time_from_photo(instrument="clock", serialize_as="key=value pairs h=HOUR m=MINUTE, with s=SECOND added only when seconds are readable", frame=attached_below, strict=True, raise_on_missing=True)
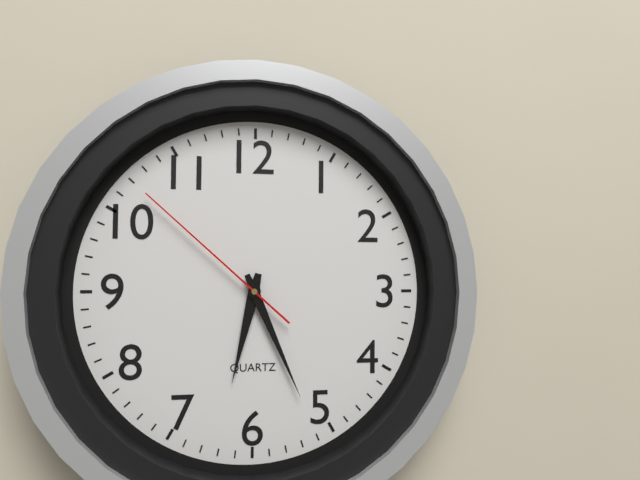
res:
h=6 m=26 s=52
